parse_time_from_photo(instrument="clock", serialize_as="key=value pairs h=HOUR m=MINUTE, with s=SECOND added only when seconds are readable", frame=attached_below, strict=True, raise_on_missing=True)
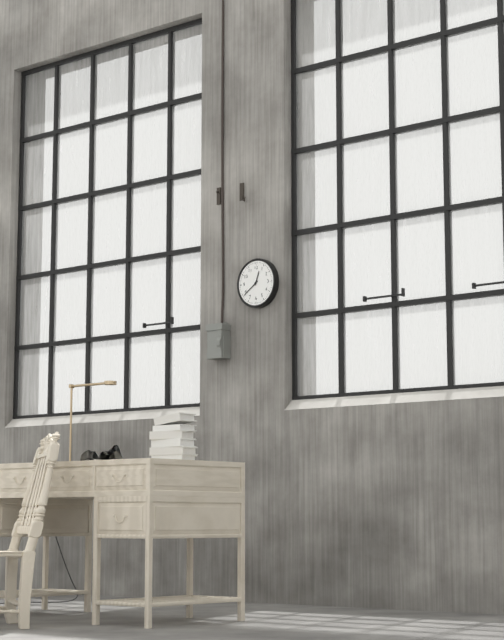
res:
h=12 m=39
